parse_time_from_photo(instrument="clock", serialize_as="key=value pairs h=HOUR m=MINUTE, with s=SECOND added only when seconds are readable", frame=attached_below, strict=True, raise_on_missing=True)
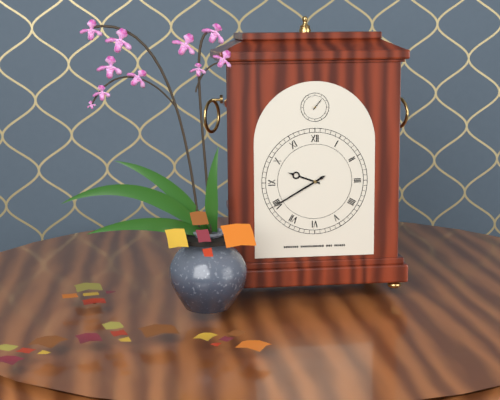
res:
h=9 m=40
